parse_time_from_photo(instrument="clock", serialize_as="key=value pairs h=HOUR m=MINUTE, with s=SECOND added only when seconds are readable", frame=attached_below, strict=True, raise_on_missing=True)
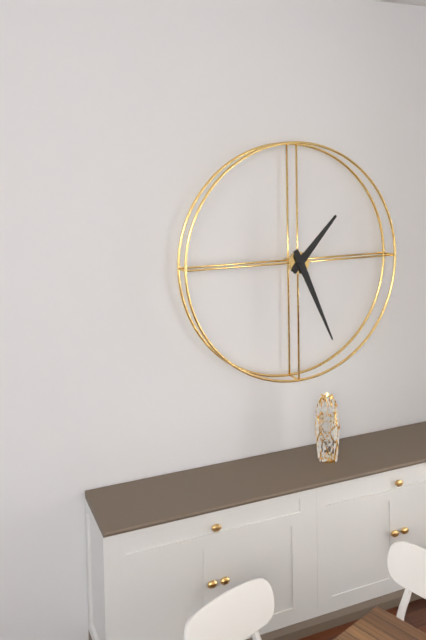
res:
h=1 m=26
